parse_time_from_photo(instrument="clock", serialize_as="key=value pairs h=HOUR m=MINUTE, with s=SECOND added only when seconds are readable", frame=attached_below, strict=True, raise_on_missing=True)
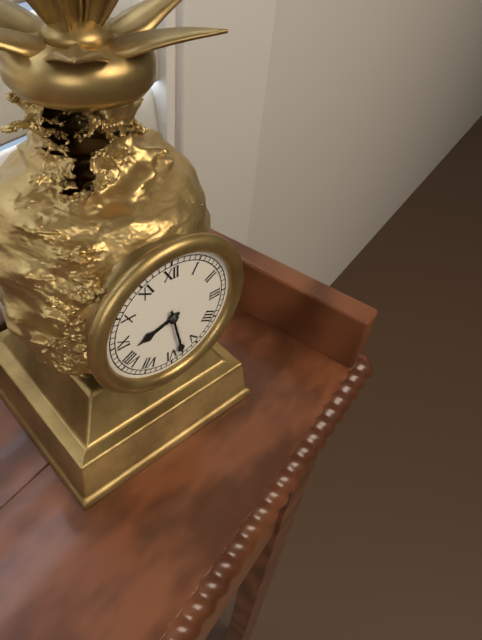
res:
h=8 m=28
